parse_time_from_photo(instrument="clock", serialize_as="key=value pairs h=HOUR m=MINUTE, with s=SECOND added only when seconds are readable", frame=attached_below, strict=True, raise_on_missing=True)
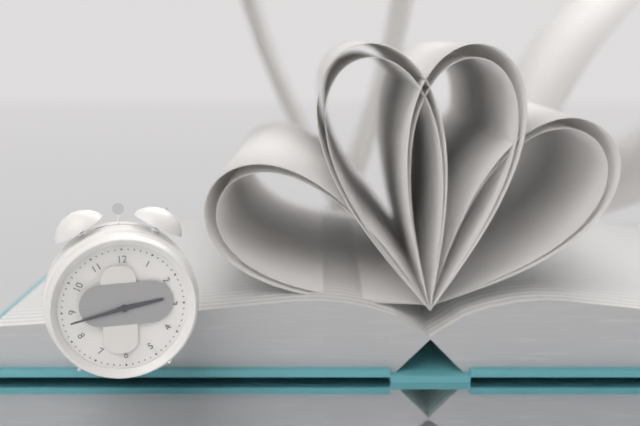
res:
h=2 m=43
